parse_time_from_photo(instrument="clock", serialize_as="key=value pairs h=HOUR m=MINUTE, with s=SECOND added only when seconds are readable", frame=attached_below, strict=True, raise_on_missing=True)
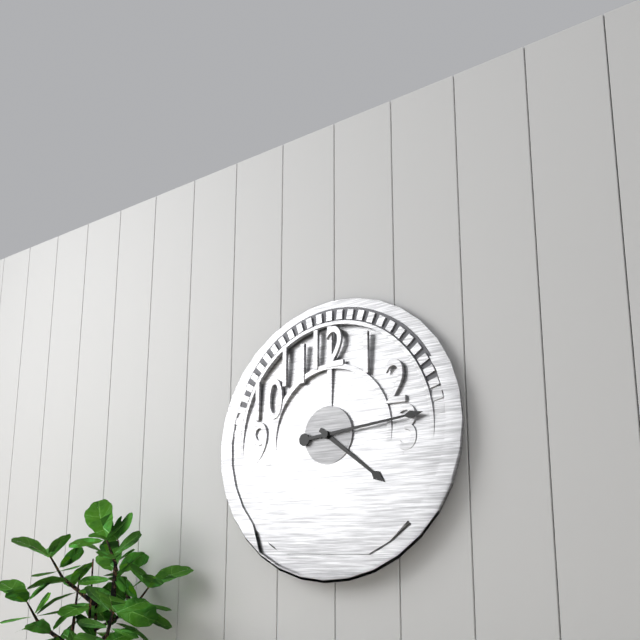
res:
h=4 m=14
